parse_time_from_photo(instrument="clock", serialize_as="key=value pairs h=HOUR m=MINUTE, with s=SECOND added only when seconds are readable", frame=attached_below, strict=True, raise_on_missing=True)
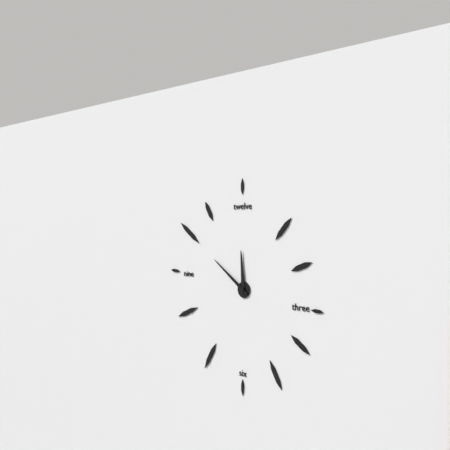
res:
h=11 m=51
